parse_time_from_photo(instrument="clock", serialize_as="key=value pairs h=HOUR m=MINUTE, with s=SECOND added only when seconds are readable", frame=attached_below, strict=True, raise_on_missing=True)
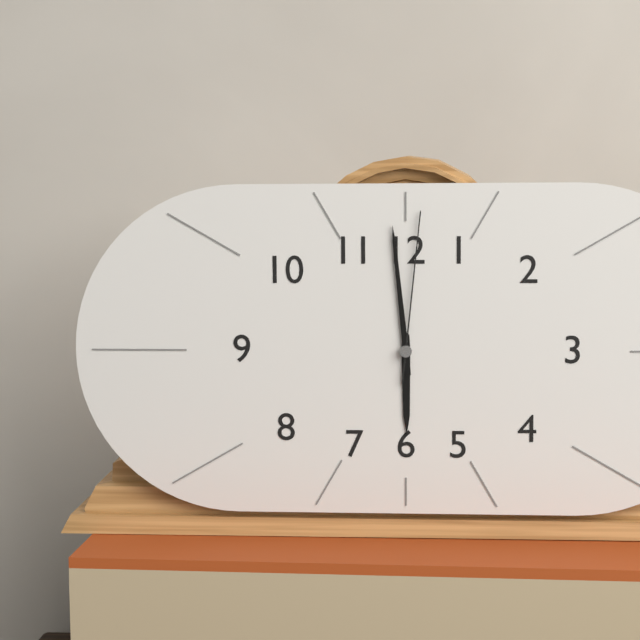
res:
h=5 m=59 s=1
